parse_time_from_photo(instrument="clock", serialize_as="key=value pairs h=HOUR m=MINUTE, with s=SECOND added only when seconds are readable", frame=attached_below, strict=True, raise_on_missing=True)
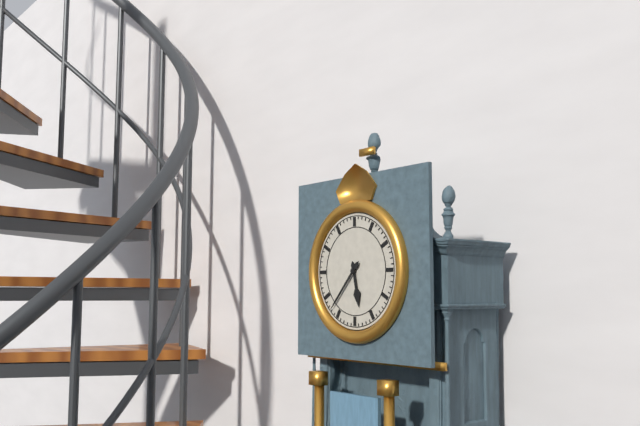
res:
h=5 m=37
